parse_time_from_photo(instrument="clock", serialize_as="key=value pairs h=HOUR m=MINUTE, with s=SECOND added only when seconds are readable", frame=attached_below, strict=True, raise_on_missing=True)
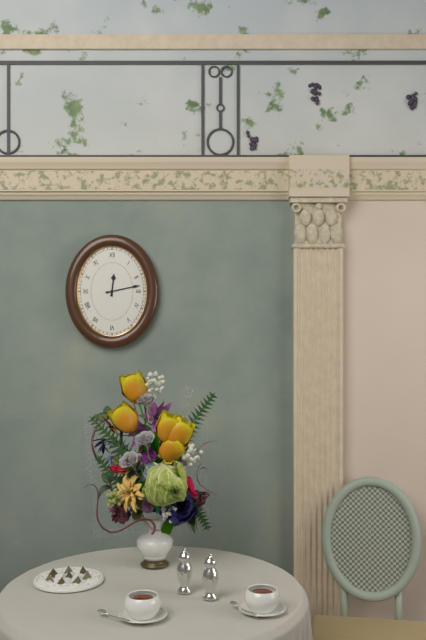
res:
h=12 m=13
